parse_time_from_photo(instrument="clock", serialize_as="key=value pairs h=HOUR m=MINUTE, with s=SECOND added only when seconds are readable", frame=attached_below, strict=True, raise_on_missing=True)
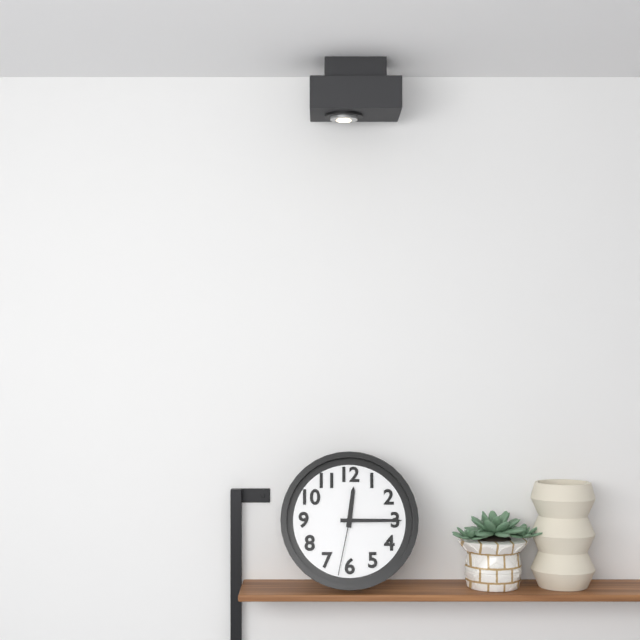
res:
h=12 m=15 s=32
